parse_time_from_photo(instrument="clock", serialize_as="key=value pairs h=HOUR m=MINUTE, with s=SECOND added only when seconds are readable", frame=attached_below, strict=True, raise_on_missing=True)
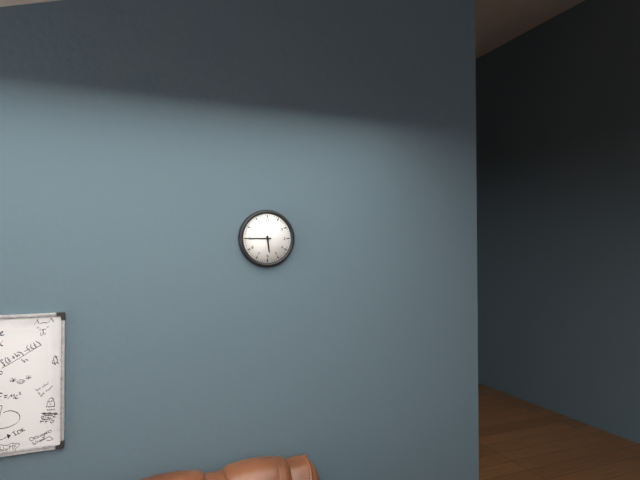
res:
h=5 m=45
